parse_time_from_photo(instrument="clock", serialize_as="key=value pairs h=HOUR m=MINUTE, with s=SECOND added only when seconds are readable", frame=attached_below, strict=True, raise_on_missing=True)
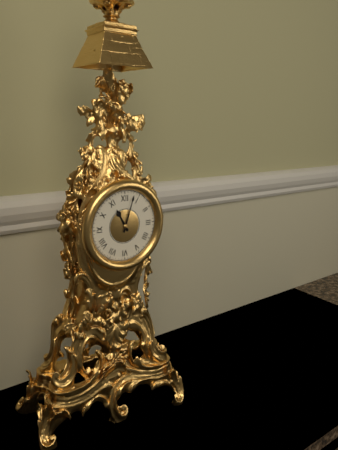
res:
h=11 m=3
